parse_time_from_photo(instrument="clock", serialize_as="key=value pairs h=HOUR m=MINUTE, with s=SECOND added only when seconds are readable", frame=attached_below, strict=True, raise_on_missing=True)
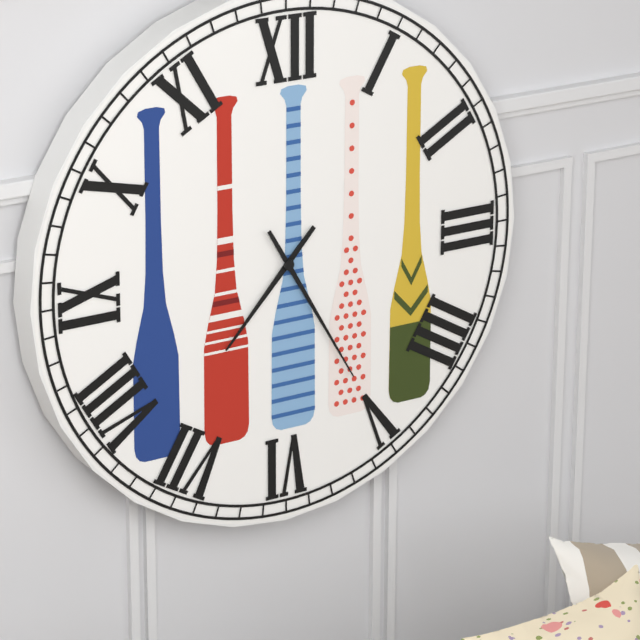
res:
h=7 m=25
